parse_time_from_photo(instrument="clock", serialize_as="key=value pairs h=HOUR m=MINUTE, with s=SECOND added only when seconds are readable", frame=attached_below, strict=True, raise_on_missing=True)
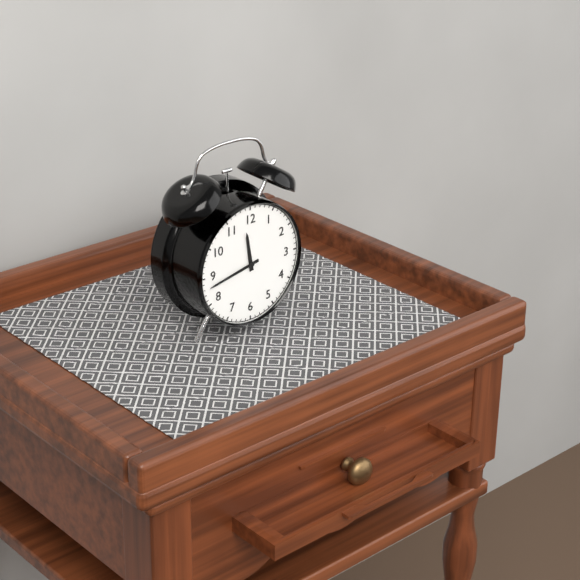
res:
h=11 m=43
